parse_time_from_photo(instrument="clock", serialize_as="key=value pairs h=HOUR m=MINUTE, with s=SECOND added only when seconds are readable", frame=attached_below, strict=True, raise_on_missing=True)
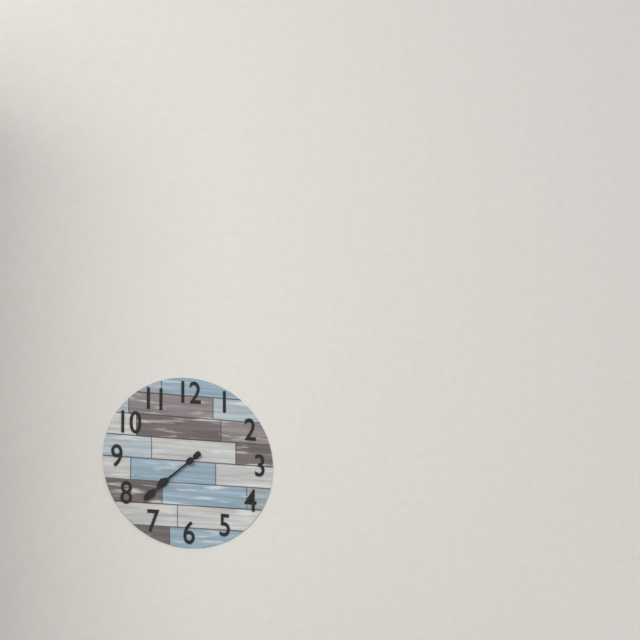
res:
h=7 m=38
